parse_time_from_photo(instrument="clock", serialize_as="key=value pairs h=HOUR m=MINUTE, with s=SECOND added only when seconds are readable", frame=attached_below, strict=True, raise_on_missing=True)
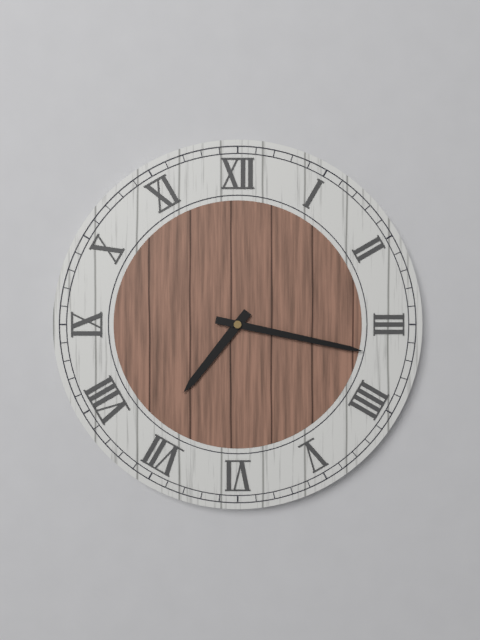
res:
h=7 m=17
